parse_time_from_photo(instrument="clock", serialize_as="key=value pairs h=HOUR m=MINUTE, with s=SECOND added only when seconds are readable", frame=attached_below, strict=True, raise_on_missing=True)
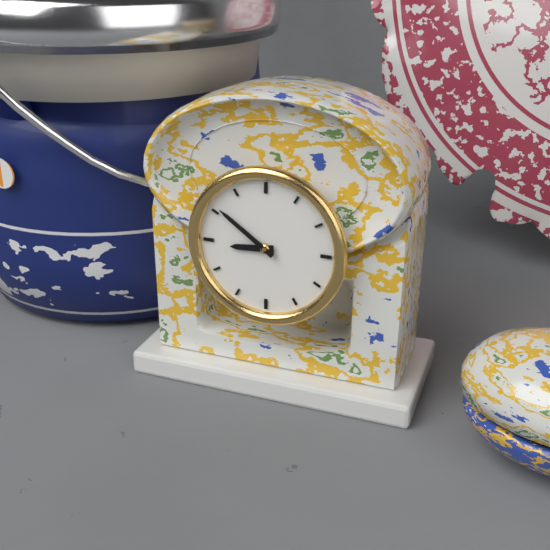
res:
h=8 m=51
